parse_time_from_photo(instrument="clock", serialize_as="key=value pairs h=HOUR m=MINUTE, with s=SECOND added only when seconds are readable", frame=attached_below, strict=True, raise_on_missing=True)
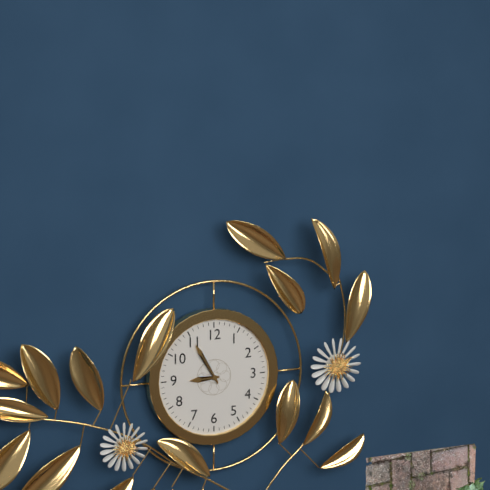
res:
h=8 m=55
